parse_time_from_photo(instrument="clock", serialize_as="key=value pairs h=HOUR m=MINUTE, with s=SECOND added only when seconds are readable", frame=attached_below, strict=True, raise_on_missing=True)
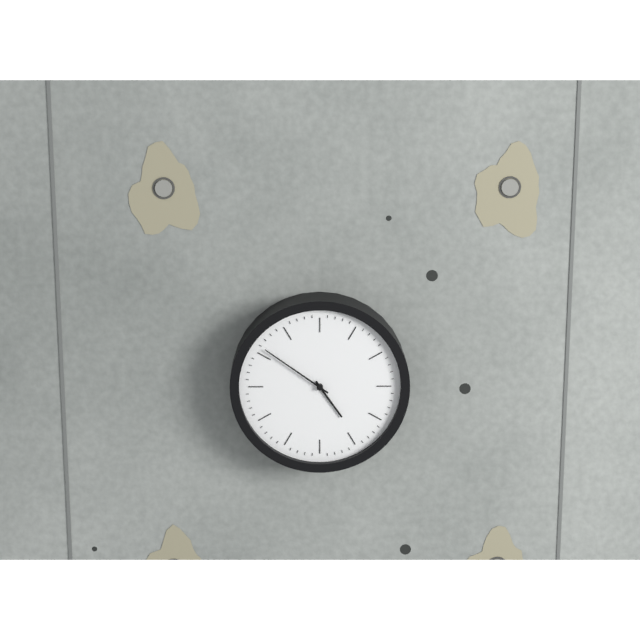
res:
h=4 m=51
